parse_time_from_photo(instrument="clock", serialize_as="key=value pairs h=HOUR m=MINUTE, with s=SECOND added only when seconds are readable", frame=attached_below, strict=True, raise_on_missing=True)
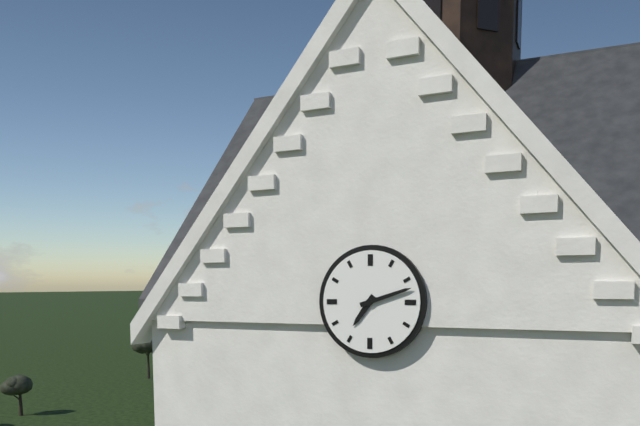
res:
h=7 m=12
